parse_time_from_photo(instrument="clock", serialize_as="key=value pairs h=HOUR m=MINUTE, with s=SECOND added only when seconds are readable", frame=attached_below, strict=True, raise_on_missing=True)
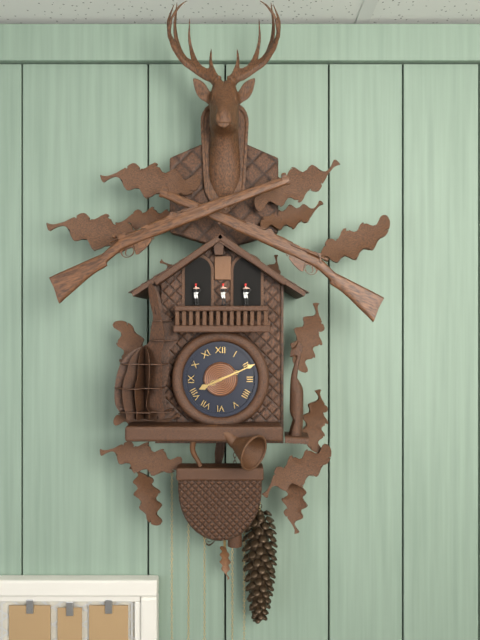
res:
h=8 m=11
